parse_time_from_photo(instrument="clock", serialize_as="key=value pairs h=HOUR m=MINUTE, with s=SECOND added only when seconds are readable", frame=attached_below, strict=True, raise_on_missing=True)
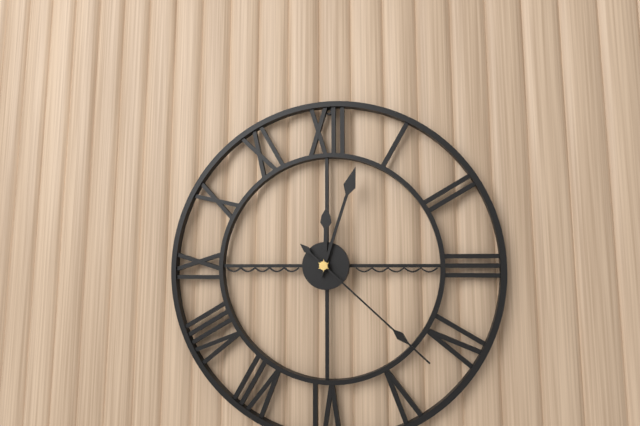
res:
h=12 m=3 s=22
